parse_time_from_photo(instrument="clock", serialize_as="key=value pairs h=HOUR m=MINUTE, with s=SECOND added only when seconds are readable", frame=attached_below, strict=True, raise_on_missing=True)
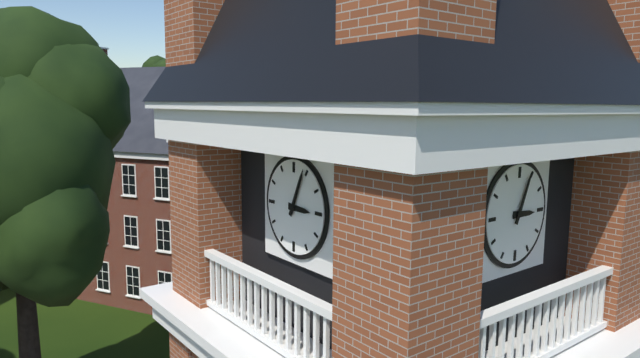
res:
h=3 m=4
